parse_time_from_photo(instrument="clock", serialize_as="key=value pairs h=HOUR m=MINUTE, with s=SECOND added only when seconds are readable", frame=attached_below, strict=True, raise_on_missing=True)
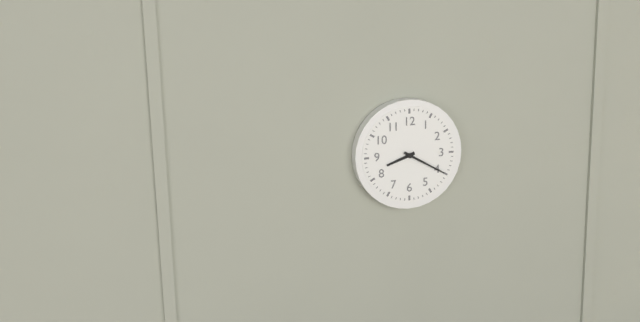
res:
h=8 m=20
